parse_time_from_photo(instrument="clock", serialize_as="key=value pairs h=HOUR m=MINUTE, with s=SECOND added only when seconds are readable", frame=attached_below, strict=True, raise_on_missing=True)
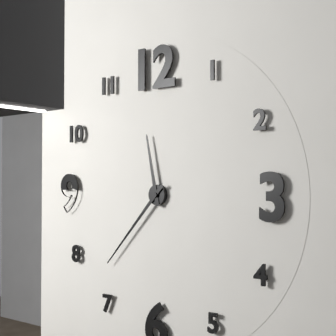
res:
h=11 m=37
